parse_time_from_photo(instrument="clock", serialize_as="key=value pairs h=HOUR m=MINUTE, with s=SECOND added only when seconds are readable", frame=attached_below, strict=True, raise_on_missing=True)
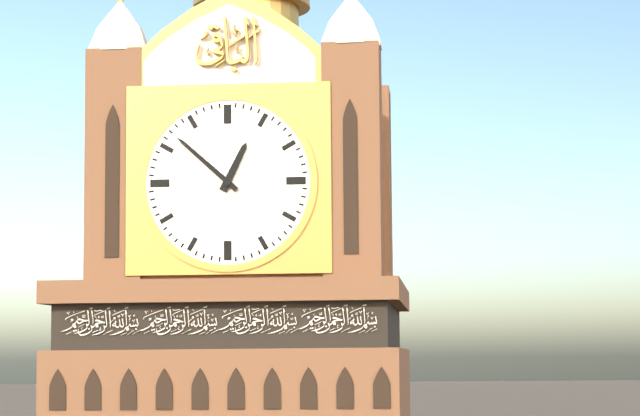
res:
h=12 m=52
